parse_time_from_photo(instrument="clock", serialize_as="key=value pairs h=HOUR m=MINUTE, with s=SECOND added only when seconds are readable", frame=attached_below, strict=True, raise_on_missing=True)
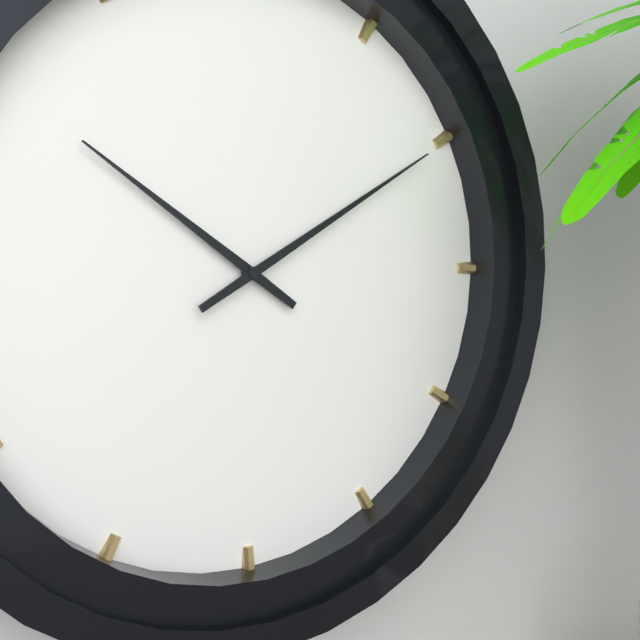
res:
h=10 m=10
